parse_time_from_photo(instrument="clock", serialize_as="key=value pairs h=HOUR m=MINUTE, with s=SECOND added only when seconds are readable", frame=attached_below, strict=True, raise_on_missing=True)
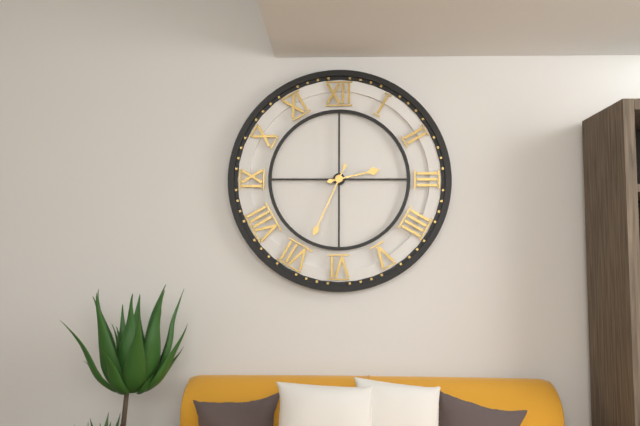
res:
h=2 m=34
